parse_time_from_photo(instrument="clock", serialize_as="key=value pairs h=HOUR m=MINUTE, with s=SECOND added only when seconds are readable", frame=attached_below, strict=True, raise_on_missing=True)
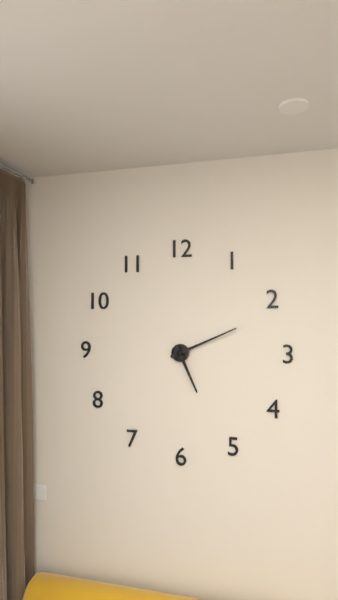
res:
h=5 m=11
